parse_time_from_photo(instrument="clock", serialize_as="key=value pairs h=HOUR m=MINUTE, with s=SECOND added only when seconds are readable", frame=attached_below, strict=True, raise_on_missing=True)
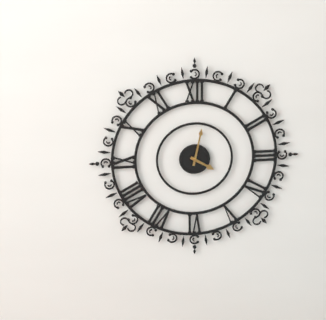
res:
h=4 m=2
